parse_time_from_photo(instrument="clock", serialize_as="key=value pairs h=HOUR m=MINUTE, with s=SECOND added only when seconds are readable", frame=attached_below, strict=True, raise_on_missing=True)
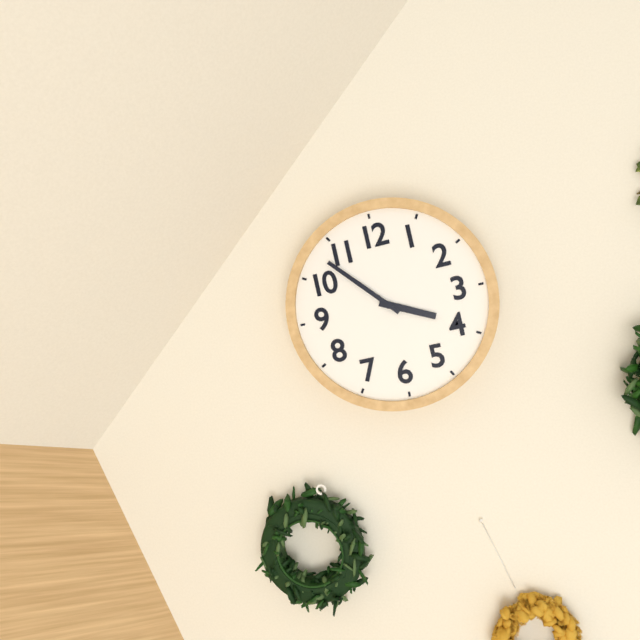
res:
h=3 m=53
